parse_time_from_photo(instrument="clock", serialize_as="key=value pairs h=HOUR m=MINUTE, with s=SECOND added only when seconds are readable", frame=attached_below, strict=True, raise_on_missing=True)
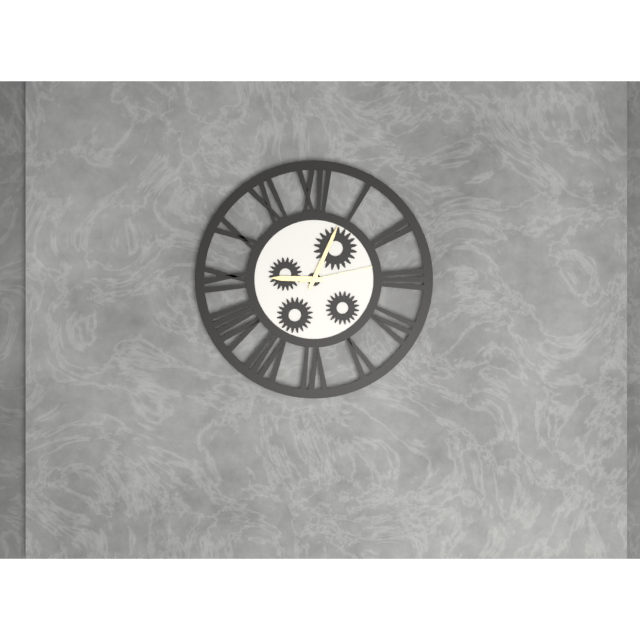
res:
h=9 m=4 s=13
